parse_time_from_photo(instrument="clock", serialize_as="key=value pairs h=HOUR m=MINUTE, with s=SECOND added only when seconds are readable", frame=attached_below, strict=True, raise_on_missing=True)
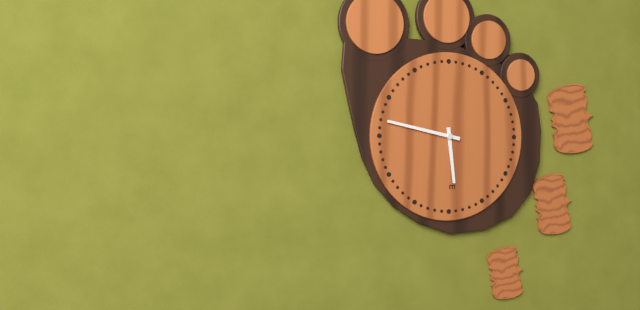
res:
h=5 m=47
